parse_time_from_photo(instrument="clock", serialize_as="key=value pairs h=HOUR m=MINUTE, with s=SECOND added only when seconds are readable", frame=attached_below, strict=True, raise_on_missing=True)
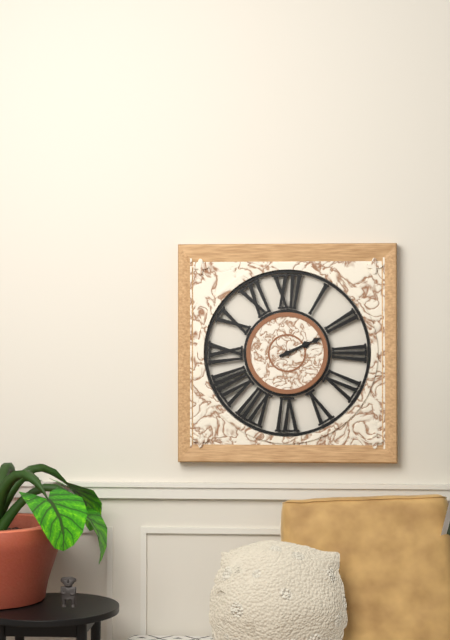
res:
h=2 m=11
